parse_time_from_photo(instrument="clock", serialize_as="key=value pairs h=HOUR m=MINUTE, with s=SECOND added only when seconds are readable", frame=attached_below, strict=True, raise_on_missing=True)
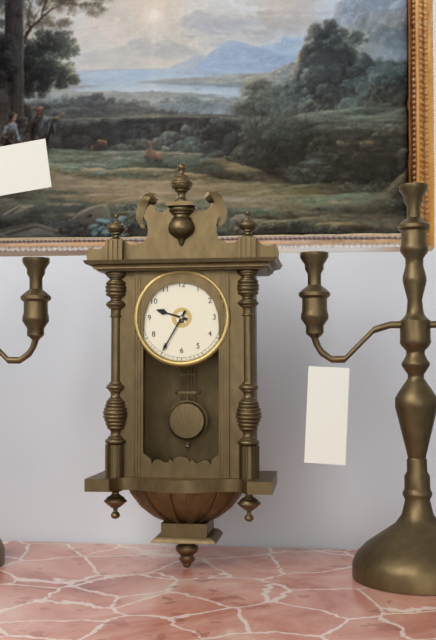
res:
h=9 m=35
